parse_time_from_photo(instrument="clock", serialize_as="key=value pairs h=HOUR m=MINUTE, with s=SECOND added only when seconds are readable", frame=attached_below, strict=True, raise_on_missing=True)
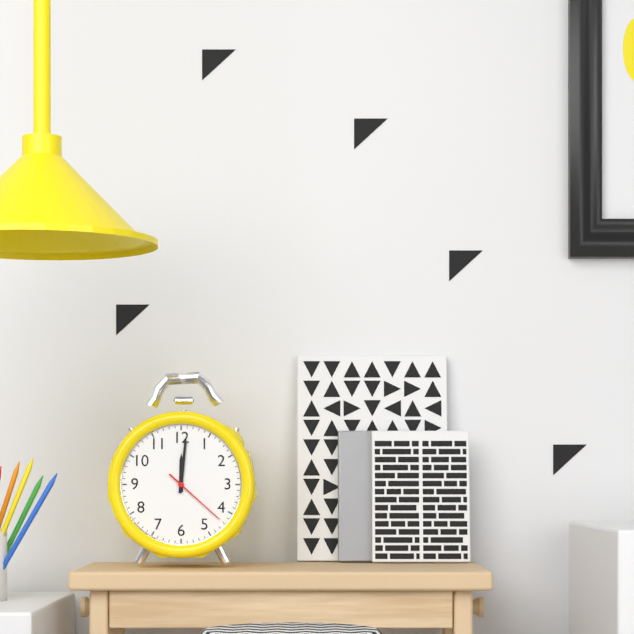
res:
h=12 m=1 s=22
